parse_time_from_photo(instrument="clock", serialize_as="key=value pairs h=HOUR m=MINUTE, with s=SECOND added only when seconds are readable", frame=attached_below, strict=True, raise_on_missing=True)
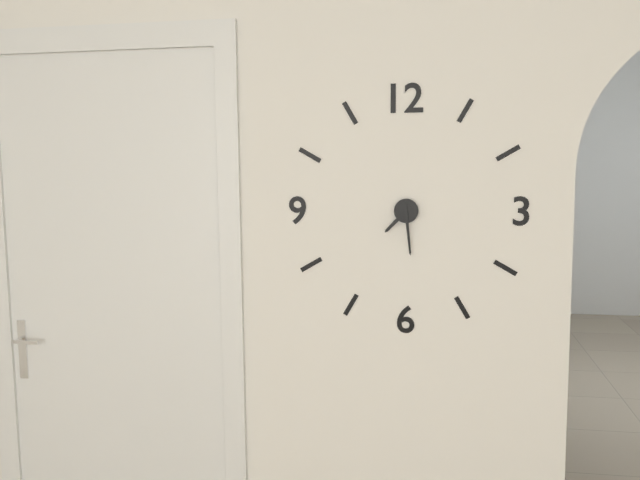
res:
h=7 m=29
